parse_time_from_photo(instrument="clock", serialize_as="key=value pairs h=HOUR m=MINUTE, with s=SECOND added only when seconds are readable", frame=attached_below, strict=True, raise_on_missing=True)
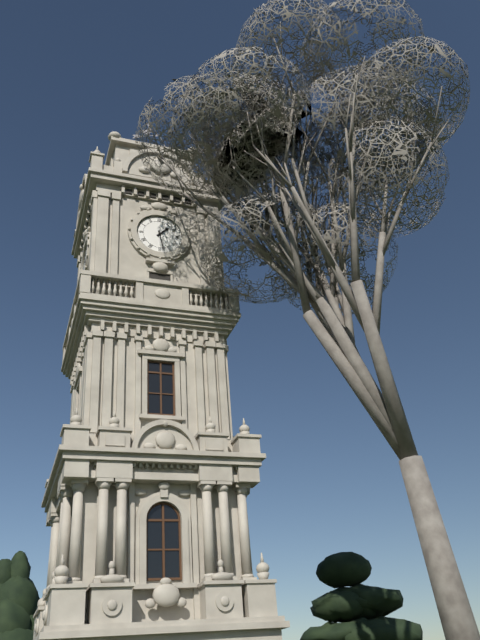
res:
h=1 m=28
